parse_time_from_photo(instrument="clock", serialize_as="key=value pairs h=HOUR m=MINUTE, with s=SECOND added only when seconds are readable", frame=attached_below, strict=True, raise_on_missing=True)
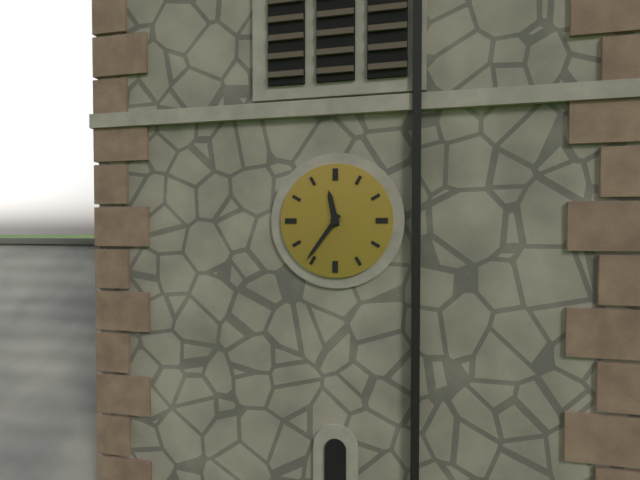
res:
h=11 m=36
